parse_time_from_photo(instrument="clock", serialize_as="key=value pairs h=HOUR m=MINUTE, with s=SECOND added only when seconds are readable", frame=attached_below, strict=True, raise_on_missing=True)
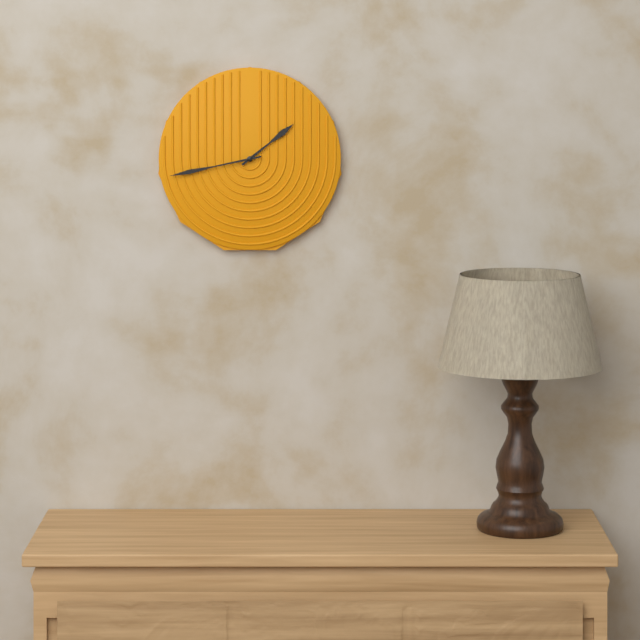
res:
h=1 m=43
